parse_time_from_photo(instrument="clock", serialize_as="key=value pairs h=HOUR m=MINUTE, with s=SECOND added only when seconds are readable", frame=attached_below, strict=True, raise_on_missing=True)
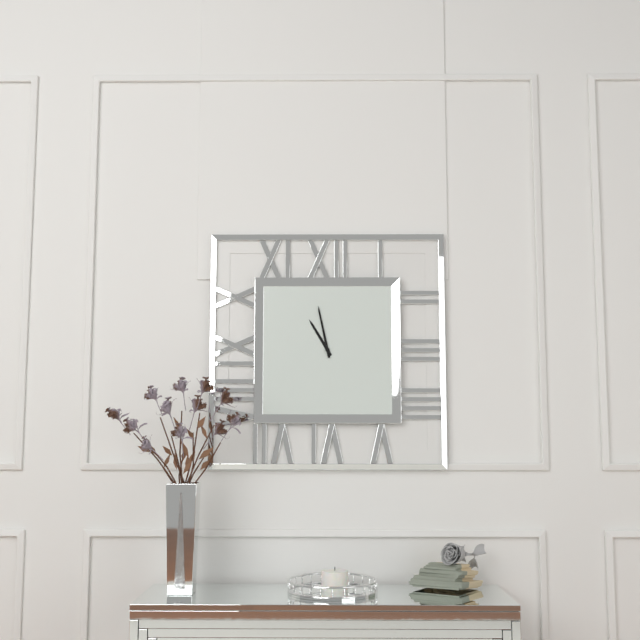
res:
h=10 m=58
